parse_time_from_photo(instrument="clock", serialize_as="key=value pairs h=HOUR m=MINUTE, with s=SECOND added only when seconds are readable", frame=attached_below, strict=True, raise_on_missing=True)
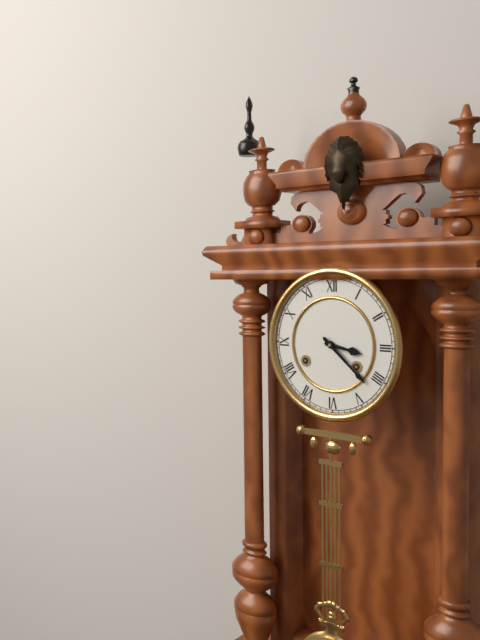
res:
h=3 m=22
